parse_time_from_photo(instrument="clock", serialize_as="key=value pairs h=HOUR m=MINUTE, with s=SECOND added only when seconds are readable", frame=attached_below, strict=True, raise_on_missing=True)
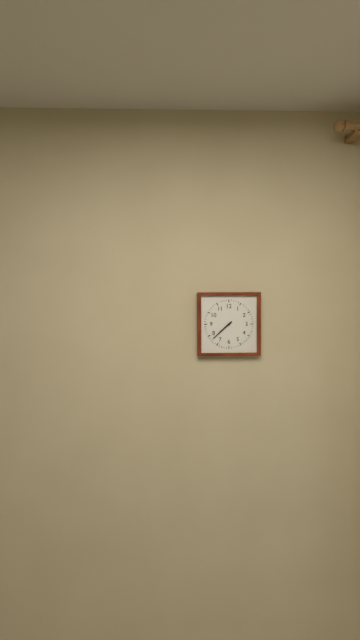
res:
h=7 m=38
